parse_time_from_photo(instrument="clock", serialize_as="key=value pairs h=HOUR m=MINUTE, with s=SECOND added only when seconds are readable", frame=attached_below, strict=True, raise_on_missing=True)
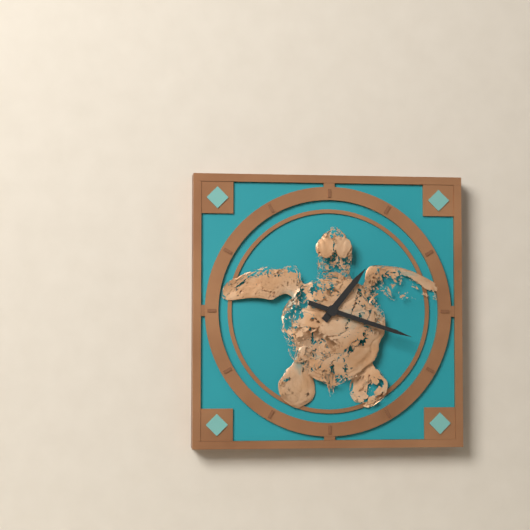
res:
h=1 m=18
